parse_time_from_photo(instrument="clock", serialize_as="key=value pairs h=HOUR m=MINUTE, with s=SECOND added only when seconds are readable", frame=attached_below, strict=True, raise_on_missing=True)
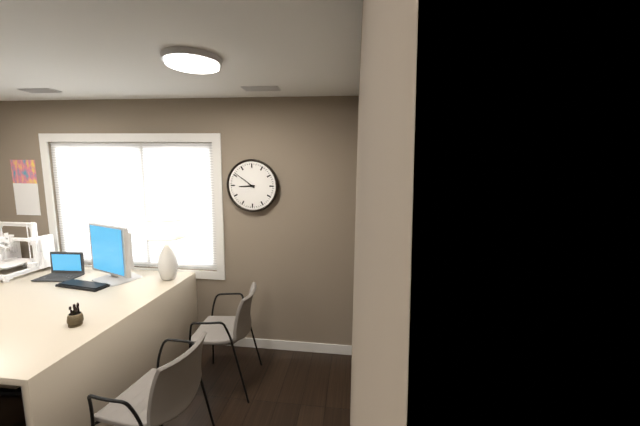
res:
h=8 m=51
